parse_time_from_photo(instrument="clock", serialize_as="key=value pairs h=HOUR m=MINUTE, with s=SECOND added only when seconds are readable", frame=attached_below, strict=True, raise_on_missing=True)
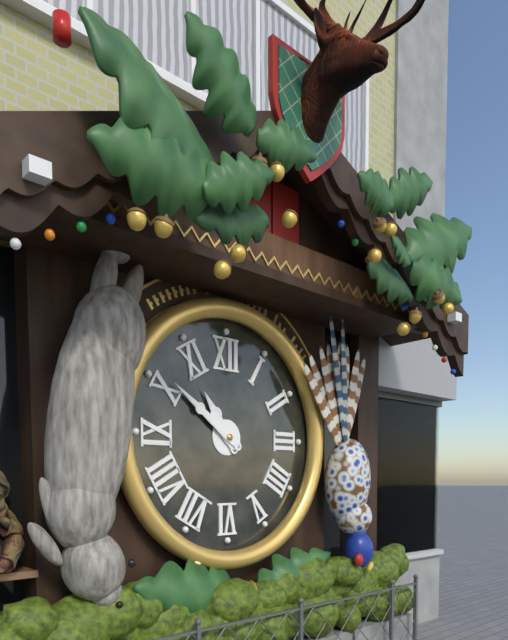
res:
h=10 m=51
